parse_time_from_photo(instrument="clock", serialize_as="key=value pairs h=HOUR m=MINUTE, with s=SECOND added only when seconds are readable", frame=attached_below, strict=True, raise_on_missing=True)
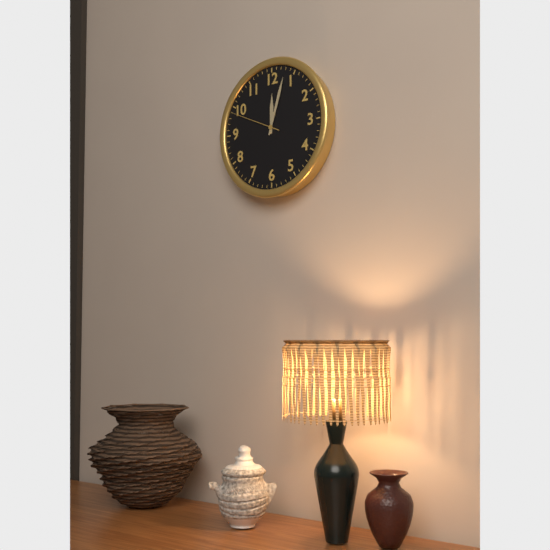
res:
h=12 m=3 s=49
